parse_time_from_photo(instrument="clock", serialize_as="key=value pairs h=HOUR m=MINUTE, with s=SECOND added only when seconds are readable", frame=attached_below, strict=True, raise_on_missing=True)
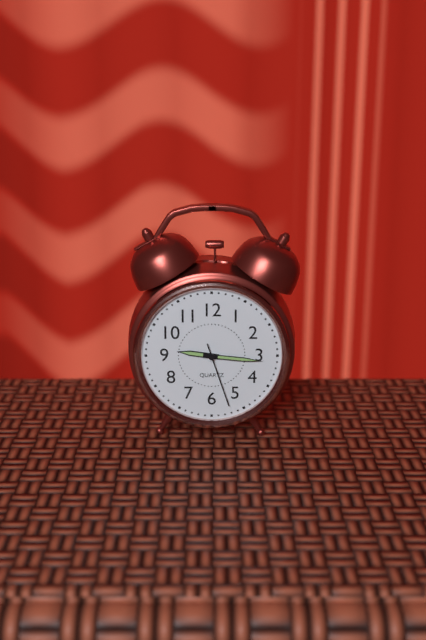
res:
h=9 m=16 s=27
